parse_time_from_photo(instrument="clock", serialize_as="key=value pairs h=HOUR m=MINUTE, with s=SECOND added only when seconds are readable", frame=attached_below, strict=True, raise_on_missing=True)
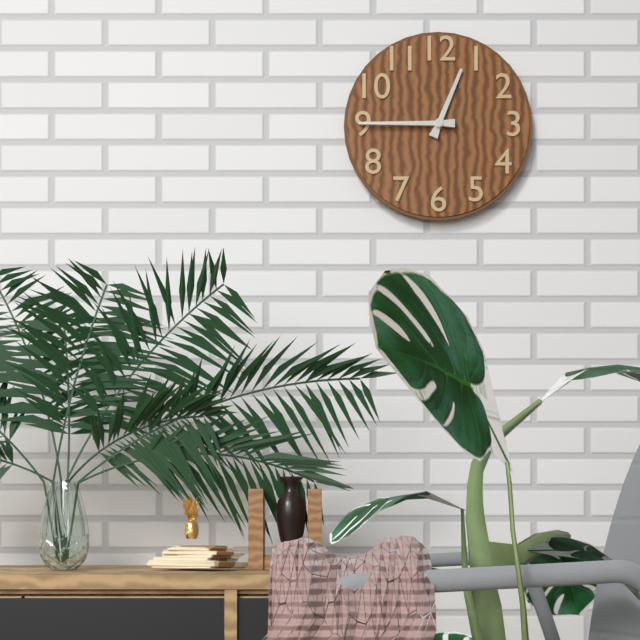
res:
h=12 m=45
